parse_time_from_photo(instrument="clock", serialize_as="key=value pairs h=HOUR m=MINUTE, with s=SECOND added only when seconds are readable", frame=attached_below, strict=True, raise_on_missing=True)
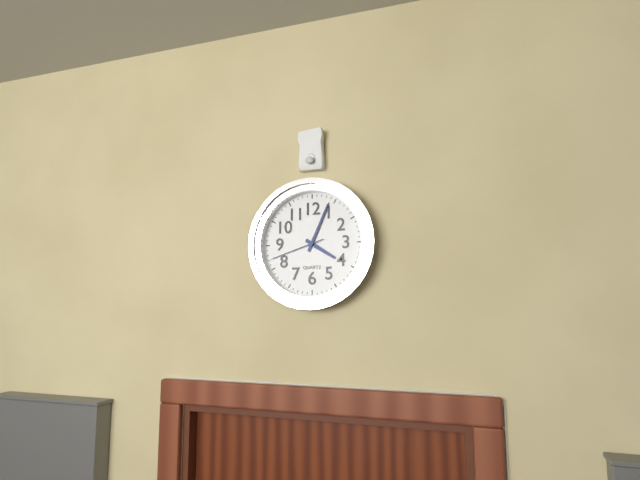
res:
h=4 m=4 s=42
